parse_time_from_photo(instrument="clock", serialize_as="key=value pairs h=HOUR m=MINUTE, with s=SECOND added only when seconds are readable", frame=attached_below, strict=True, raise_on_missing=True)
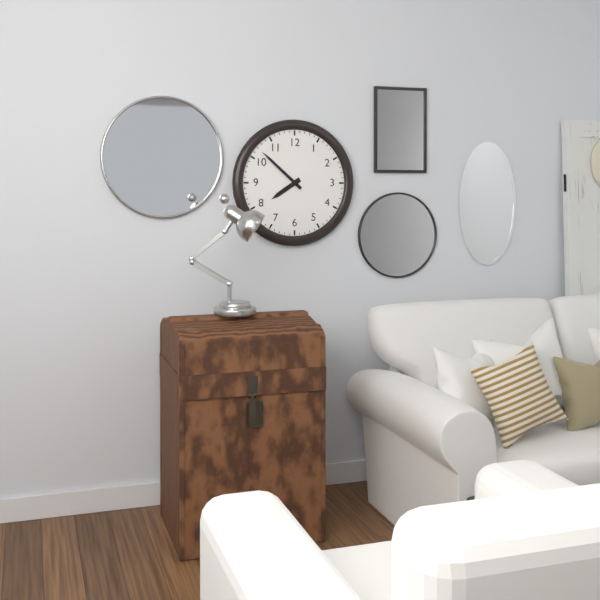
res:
h=7 m=52
